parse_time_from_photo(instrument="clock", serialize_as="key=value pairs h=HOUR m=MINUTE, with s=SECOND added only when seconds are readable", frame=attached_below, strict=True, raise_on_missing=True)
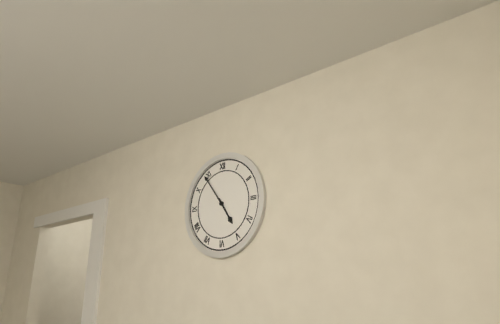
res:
h=4 m=54
